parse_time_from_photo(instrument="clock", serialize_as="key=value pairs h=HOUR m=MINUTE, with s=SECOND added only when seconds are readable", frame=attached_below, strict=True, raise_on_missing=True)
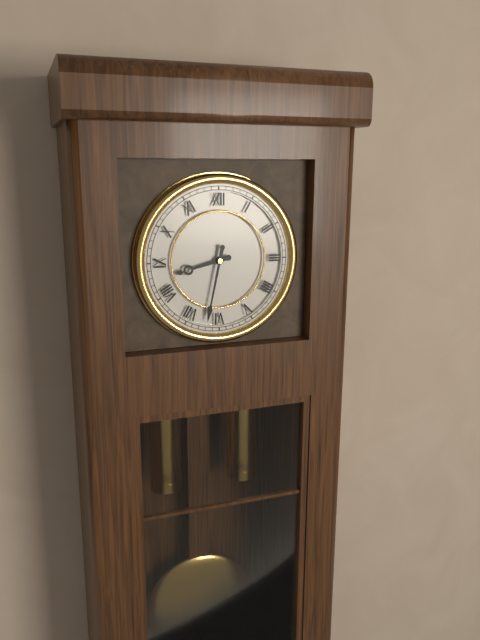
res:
h=8 m=32
